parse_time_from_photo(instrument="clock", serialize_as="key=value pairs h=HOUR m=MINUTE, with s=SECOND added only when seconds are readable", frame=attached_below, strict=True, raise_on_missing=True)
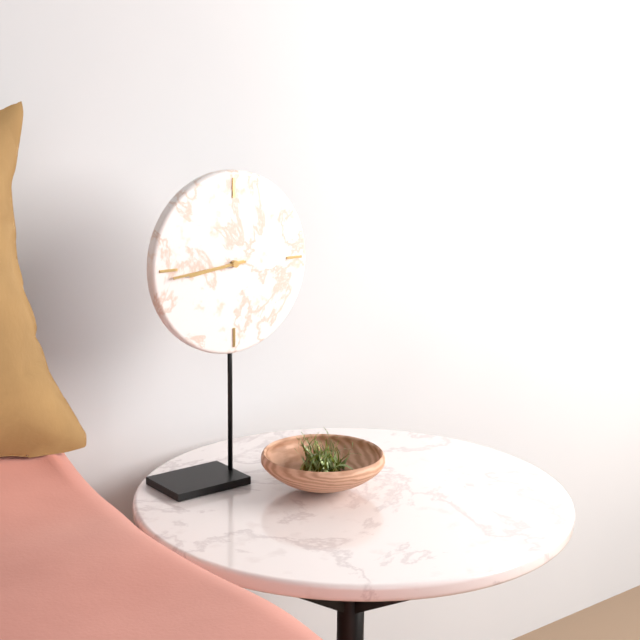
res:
h=8 m=44
